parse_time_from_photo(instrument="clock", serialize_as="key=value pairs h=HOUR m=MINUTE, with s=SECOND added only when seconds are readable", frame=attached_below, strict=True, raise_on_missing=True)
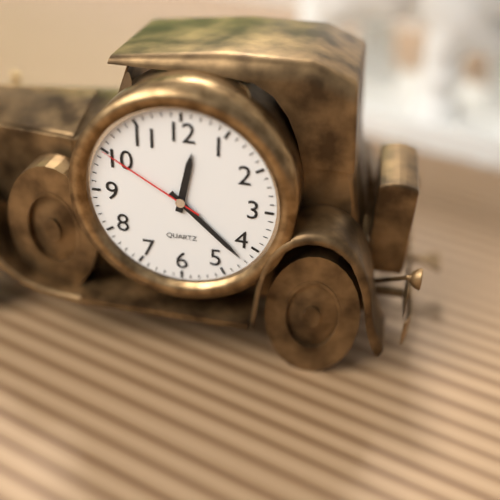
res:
h=12 m=22 s=50
